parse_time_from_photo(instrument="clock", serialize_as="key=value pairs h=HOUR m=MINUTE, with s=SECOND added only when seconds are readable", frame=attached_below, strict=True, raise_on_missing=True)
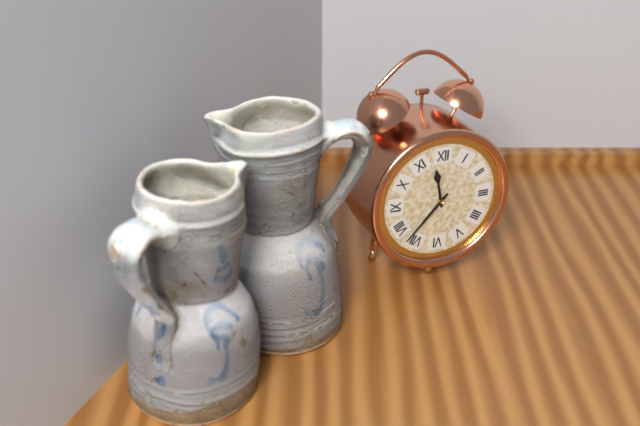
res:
h=11 m=37
